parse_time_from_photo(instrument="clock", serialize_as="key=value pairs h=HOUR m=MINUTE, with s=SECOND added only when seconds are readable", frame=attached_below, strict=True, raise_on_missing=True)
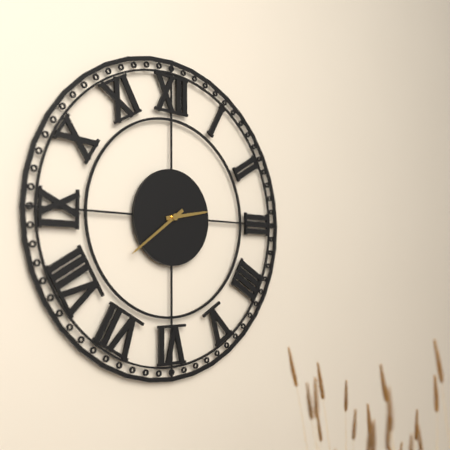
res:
h=2 m=39
